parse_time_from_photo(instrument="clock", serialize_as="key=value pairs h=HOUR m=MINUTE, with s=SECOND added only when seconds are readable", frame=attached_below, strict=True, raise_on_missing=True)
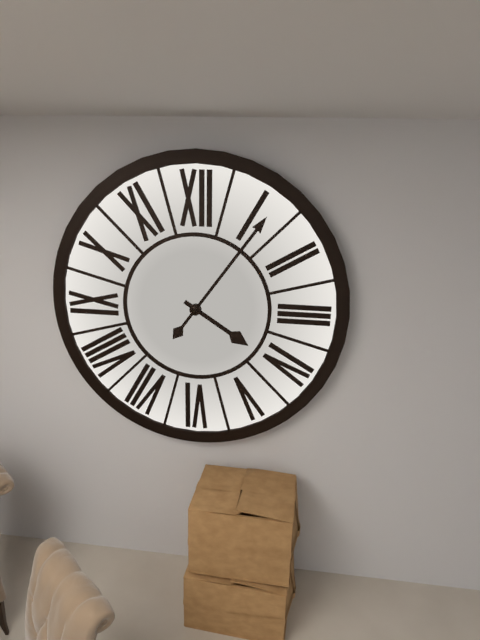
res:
h=4 m=6
